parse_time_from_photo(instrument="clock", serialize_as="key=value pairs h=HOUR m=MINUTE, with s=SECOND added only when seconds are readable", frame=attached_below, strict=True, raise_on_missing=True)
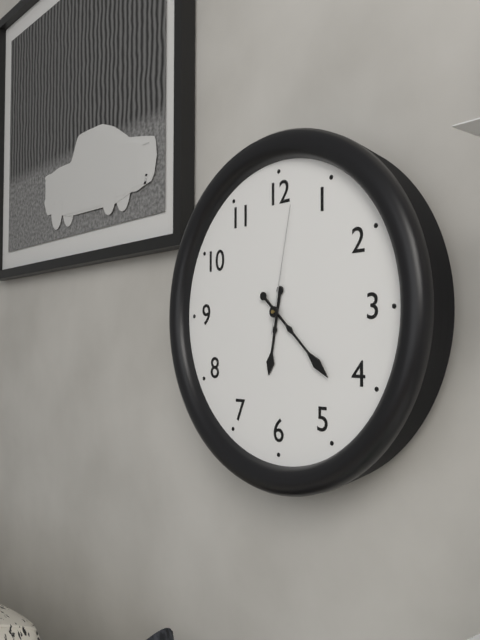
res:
h=6 m=22 s=2
